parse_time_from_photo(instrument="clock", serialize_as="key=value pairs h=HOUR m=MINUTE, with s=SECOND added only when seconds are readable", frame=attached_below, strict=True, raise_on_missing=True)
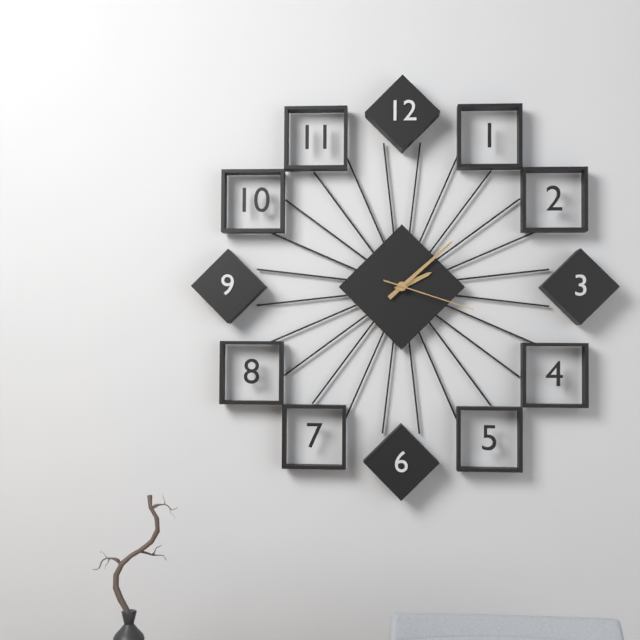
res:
h=2 m=8 s=18
